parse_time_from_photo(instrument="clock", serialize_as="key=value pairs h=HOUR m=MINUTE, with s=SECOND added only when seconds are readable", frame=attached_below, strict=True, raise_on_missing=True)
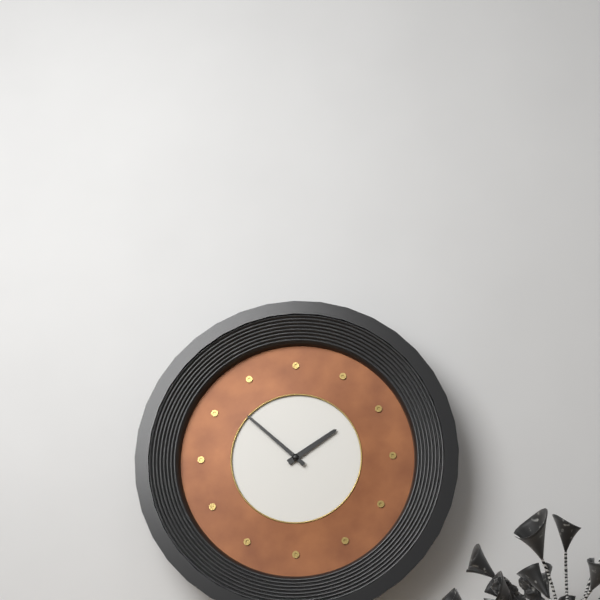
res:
h=1 m=52
